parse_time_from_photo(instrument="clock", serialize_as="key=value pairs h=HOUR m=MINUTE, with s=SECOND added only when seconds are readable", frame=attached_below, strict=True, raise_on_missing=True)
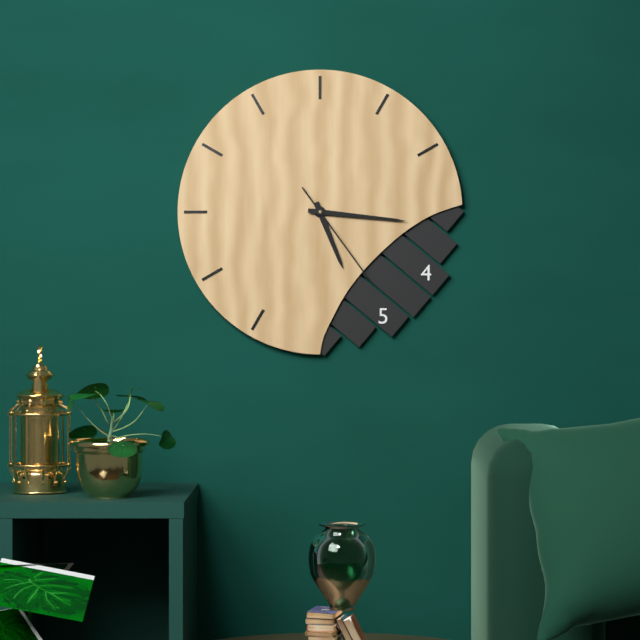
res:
h=5 m=16 s=24
